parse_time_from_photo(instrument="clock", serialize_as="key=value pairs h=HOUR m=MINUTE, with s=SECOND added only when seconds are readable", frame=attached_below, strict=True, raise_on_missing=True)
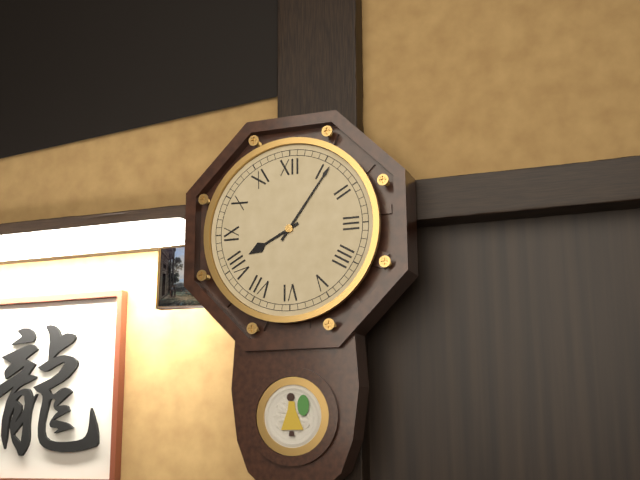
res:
h=8 m=6
